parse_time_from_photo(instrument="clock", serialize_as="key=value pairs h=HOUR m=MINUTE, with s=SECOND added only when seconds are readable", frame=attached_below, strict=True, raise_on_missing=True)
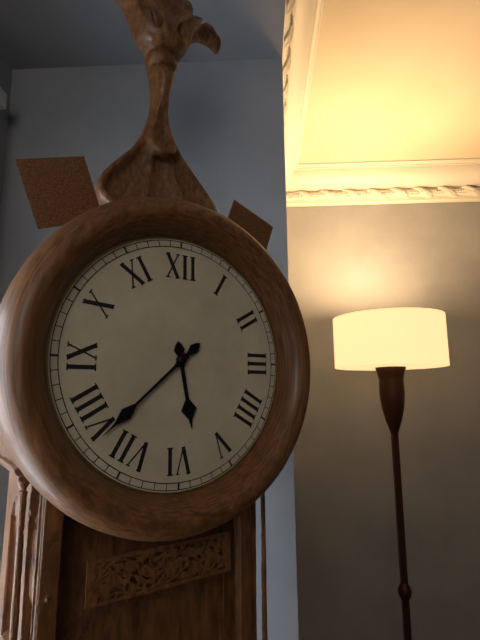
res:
h=5 m=38
